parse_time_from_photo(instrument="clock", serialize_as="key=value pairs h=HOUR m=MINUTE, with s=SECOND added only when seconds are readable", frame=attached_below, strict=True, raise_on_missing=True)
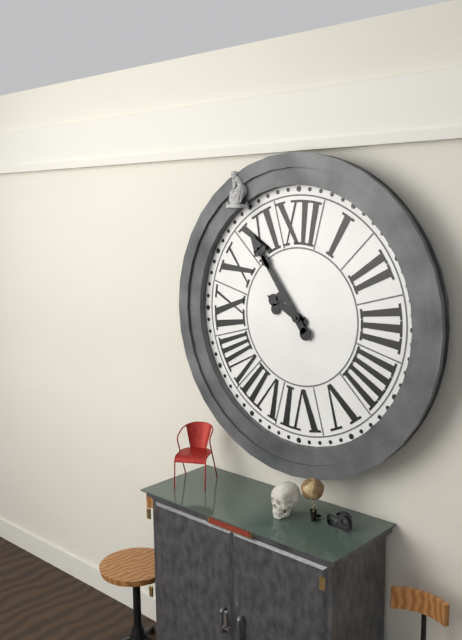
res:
h=9 m=54
